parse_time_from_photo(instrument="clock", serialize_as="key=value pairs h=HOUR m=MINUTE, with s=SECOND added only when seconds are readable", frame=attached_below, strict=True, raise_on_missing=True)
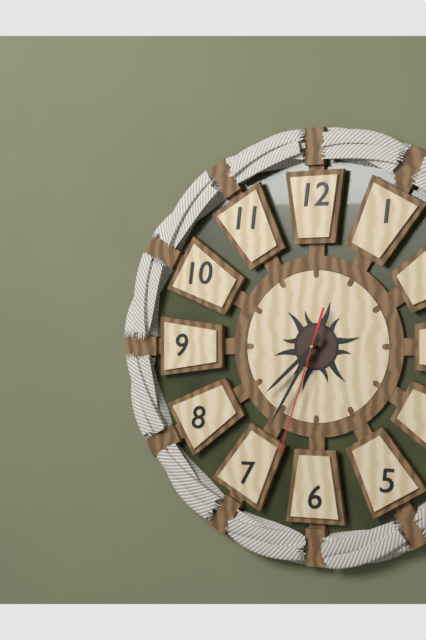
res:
h=7 m=35 s=33
